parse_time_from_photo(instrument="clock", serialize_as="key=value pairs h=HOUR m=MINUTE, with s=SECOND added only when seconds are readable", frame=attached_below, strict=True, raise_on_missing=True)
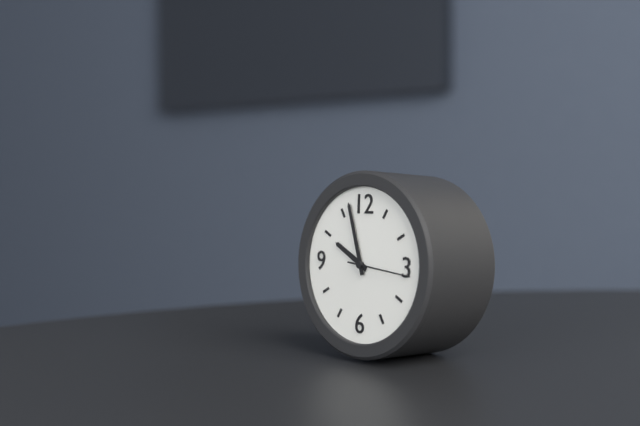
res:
h=9 m=57 s=16
